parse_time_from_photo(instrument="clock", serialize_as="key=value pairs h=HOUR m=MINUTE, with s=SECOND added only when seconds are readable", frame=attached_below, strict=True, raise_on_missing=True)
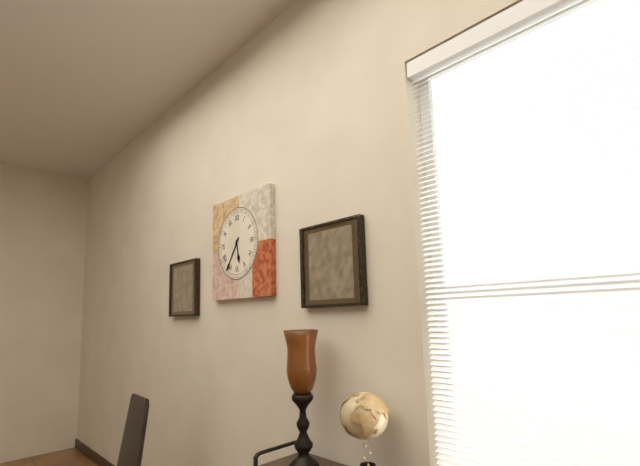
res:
h=5 m=36
